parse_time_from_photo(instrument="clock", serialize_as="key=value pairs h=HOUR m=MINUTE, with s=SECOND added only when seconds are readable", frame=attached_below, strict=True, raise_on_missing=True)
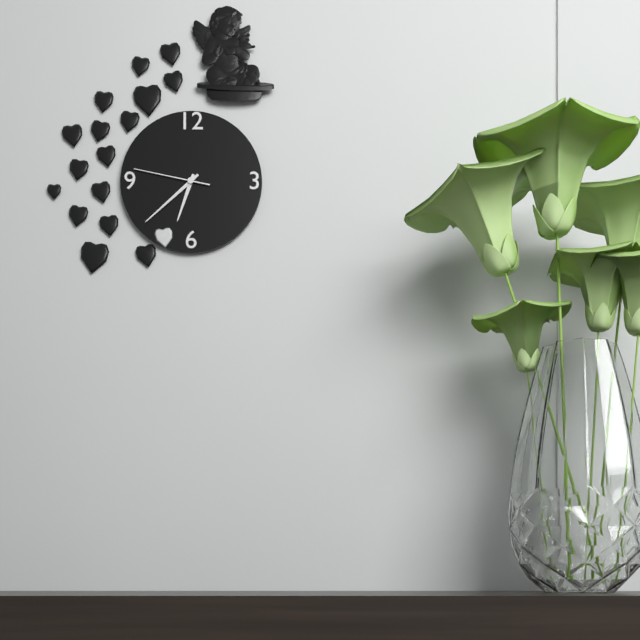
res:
h=6 m=38 s=47
